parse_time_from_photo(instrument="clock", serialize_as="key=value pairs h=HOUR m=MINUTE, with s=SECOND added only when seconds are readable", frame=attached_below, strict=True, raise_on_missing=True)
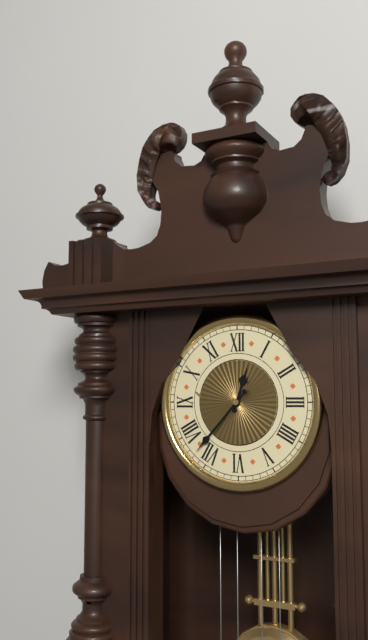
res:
h=12 m=37
